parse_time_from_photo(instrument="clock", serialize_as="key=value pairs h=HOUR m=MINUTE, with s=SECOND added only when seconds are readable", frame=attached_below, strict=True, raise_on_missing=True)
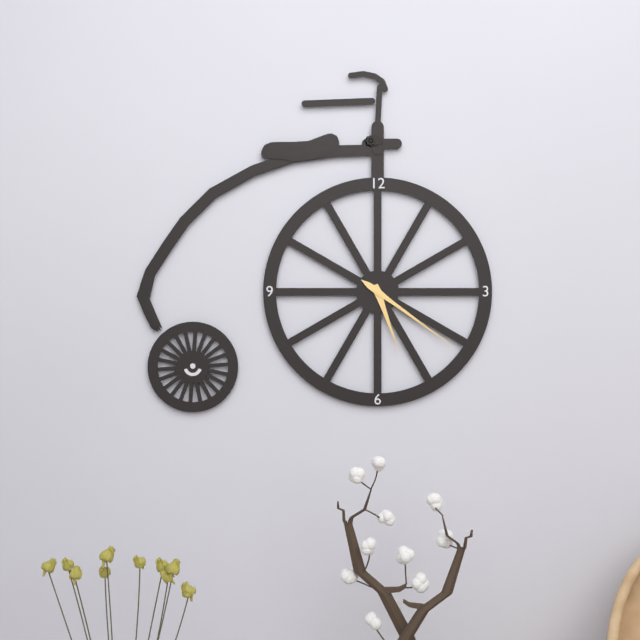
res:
h=5 m=21
